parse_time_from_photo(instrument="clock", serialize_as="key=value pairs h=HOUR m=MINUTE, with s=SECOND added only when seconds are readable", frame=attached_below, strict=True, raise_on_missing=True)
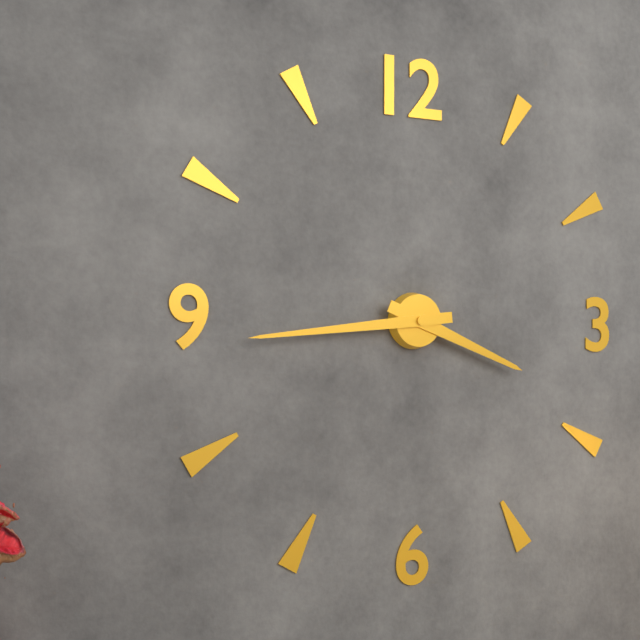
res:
h=3 m=44
